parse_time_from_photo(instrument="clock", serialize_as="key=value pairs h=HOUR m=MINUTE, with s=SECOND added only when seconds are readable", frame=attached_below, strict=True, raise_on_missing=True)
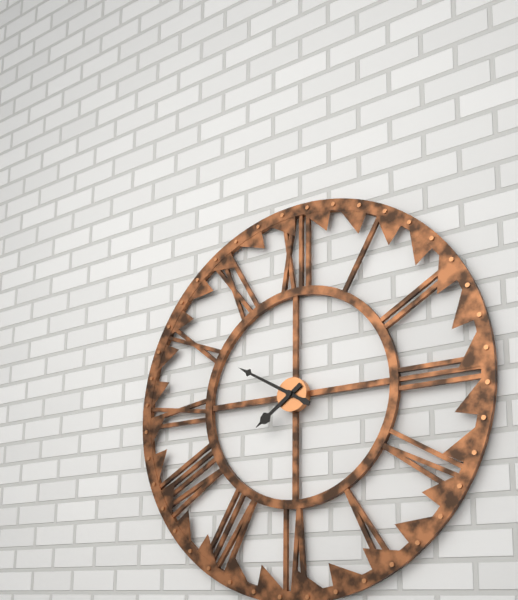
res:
h=7 m=50
